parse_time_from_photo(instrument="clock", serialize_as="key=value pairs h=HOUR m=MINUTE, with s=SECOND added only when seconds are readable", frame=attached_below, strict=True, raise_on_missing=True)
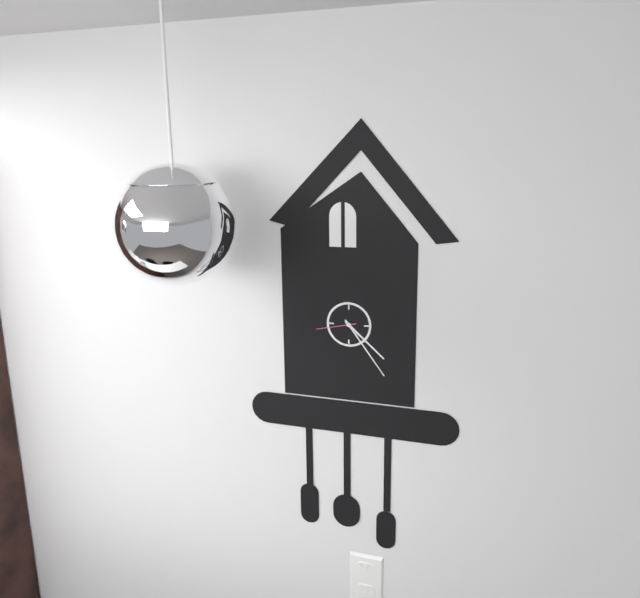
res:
h=4 m=24
